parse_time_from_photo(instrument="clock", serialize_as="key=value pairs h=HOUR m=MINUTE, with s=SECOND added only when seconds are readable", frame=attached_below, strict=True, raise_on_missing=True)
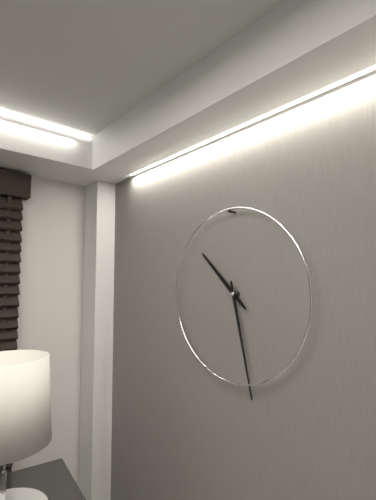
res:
h=10 m=28
